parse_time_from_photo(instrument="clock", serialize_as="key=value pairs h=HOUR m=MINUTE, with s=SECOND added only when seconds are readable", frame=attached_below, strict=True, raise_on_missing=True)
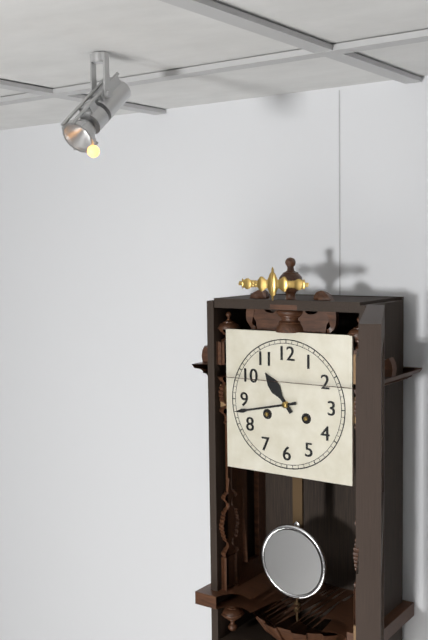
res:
h=10 m=43
